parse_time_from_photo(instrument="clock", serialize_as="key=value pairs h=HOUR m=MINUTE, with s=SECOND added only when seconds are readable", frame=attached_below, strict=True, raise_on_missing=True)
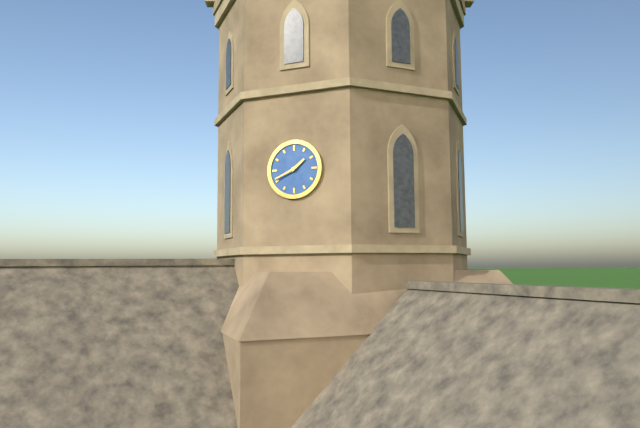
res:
h=1 m=41
